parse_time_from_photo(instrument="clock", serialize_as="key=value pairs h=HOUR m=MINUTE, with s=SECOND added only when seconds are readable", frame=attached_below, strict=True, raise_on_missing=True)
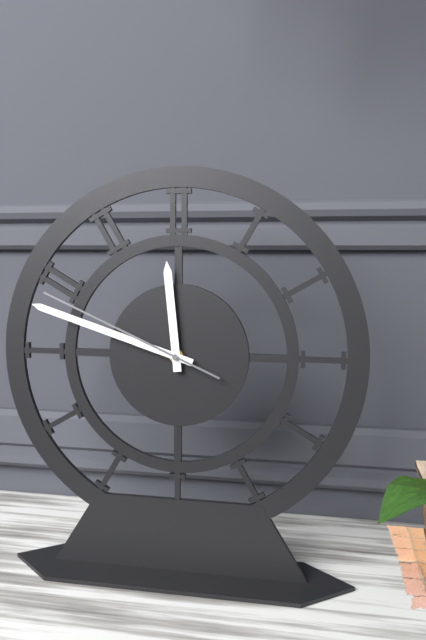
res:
h=11 m=48 s=49
